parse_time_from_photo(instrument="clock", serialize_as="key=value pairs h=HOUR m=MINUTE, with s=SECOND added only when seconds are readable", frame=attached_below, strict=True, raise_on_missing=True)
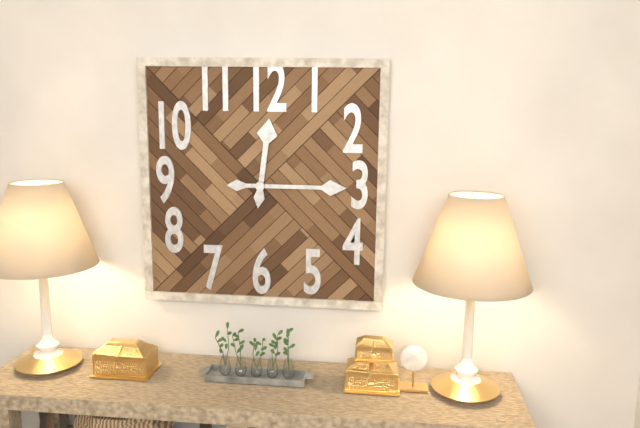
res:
h=12 m=15
